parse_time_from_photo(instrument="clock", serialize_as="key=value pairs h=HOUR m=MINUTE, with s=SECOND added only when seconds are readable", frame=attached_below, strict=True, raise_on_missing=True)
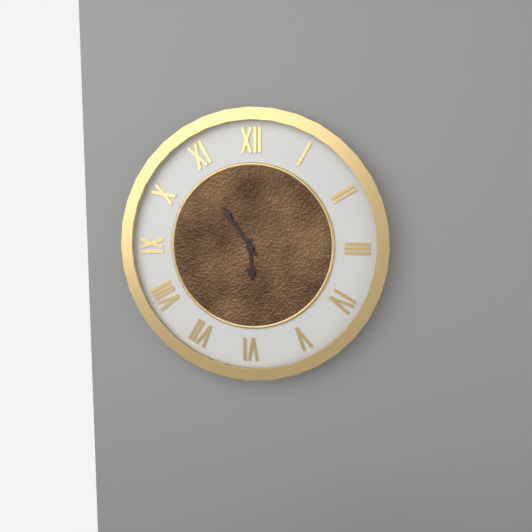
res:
h=5 m=54
